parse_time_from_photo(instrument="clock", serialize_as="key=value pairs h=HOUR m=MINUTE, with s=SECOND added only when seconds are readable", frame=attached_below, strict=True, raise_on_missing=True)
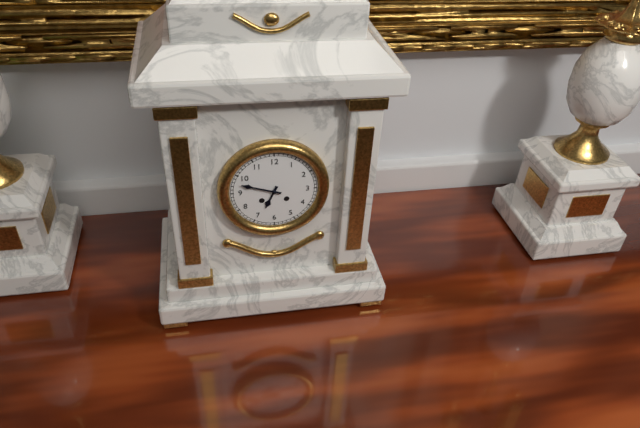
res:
h=6 m=48
